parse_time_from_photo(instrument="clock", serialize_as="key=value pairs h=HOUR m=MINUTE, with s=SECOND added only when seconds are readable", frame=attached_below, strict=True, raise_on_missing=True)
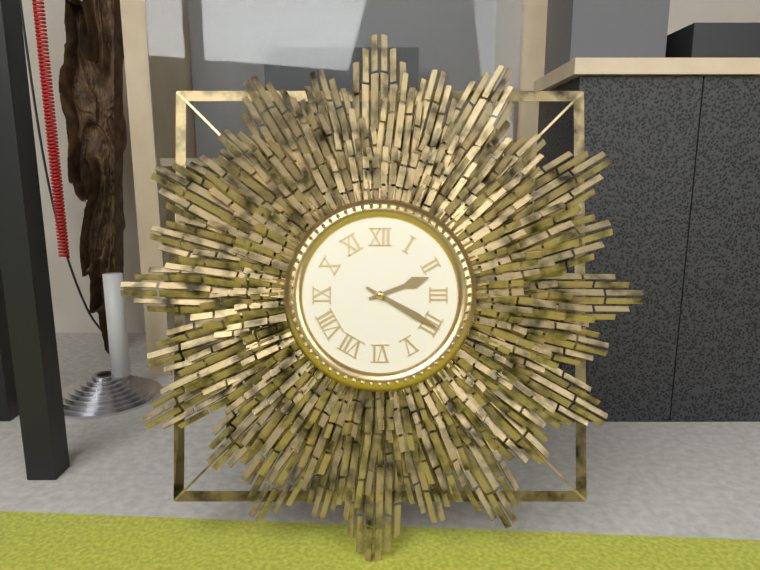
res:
h=2 m=20
